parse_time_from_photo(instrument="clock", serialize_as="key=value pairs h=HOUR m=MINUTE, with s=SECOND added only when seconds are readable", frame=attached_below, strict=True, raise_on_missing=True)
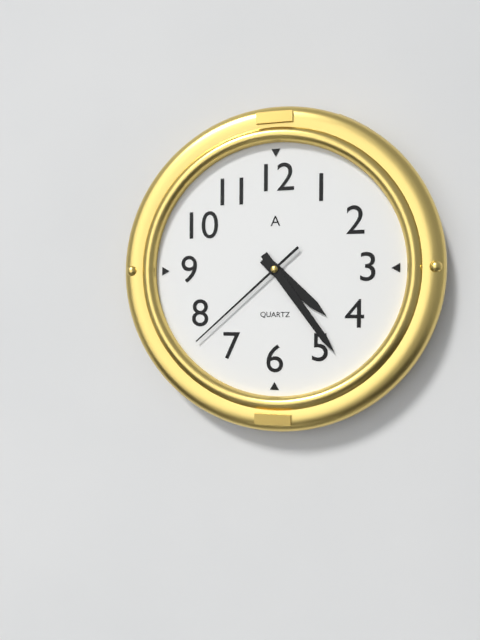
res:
h=4 m=24 s=38
